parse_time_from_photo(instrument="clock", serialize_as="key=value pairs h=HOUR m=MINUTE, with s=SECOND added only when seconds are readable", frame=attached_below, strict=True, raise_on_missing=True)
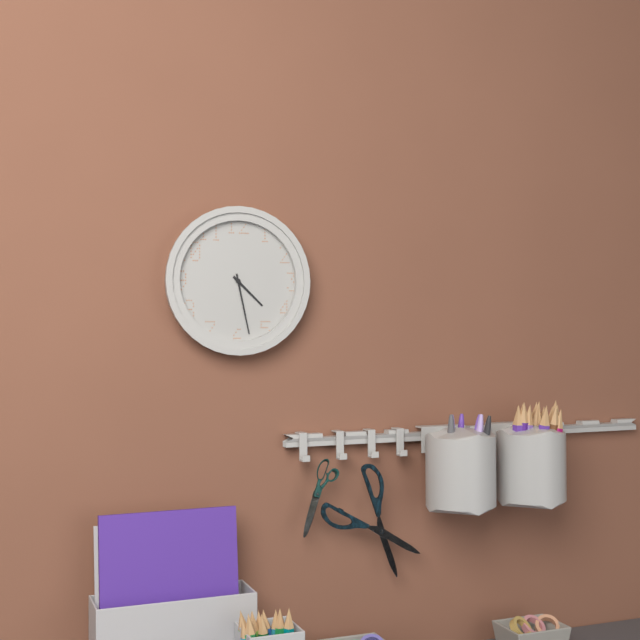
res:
h=4 m=28
